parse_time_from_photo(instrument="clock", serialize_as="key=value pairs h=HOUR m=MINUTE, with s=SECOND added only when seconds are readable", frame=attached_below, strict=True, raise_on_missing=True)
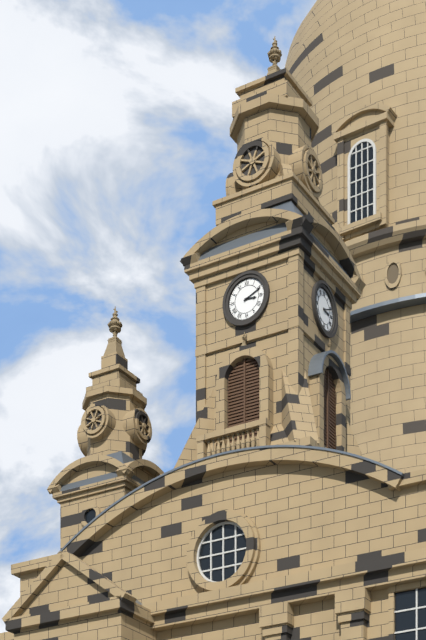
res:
h=3 m=11
